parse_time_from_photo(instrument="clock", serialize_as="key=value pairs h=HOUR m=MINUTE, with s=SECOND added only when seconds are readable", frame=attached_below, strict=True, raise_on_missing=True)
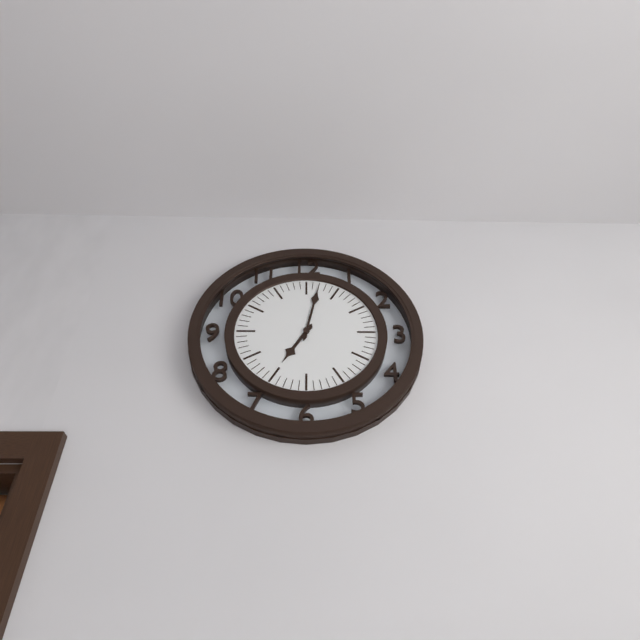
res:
h=7 m=2
